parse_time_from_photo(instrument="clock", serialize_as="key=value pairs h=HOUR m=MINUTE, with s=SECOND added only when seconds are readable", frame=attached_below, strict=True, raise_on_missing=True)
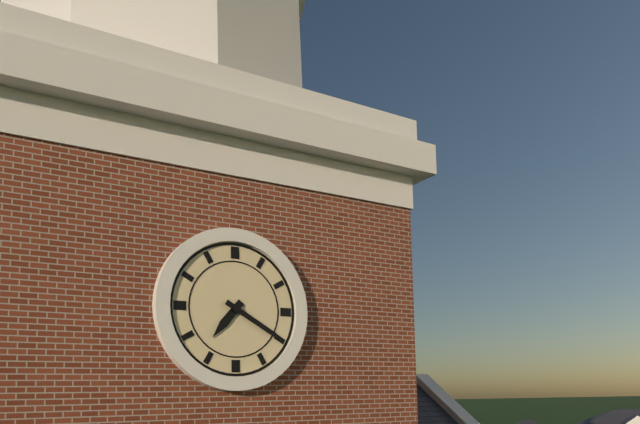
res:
h=7 m=20
